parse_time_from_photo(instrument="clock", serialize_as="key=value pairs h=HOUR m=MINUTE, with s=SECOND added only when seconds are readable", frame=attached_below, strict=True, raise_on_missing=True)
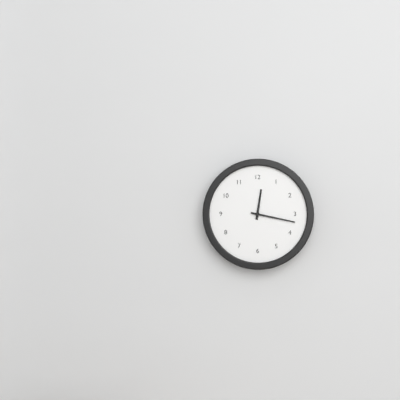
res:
h=12 m=17
